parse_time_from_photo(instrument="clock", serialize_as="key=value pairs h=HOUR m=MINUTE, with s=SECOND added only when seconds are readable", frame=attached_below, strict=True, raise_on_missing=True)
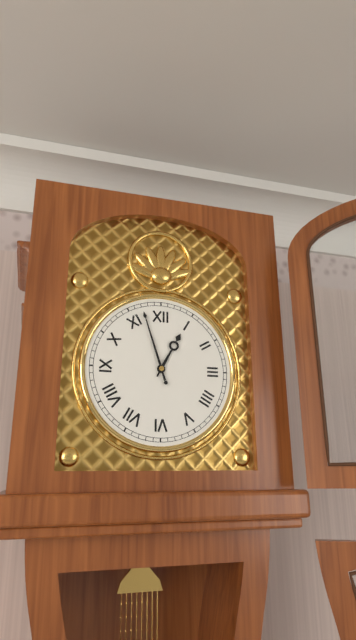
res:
h=12 m=57
